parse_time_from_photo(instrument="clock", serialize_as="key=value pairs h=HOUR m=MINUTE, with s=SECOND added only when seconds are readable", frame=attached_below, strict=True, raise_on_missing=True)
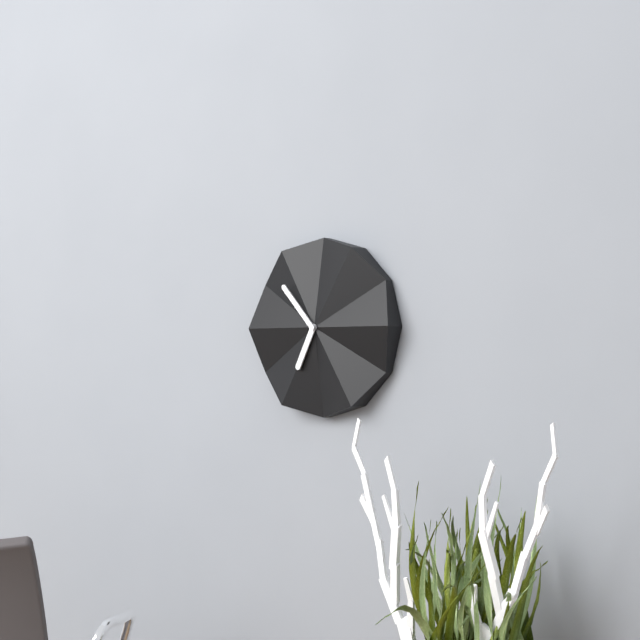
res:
h=6 m=53
